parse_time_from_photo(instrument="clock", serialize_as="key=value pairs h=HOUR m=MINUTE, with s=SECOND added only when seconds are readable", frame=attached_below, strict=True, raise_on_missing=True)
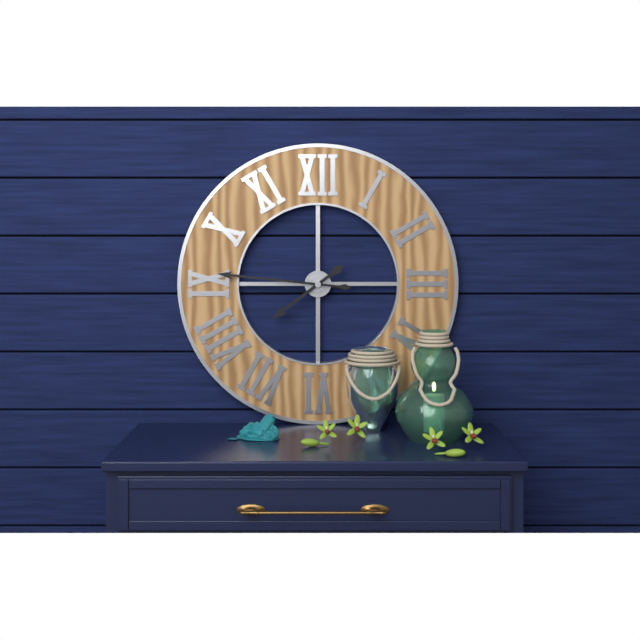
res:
h=7 m=46
